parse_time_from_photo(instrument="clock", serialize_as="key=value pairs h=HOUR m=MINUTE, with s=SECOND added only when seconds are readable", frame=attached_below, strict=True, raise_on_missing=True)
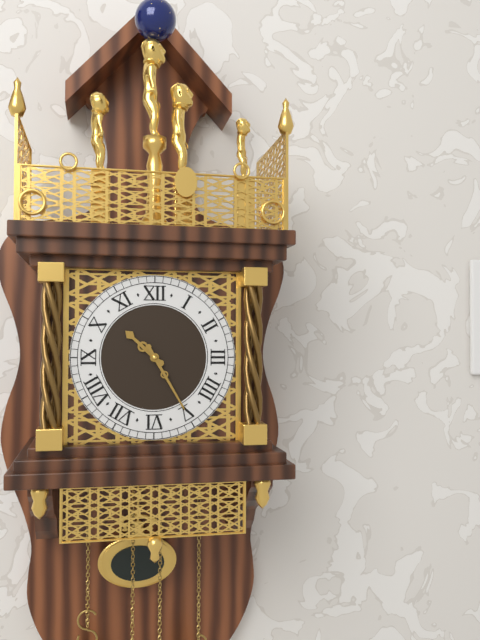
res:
h=10 m=25
